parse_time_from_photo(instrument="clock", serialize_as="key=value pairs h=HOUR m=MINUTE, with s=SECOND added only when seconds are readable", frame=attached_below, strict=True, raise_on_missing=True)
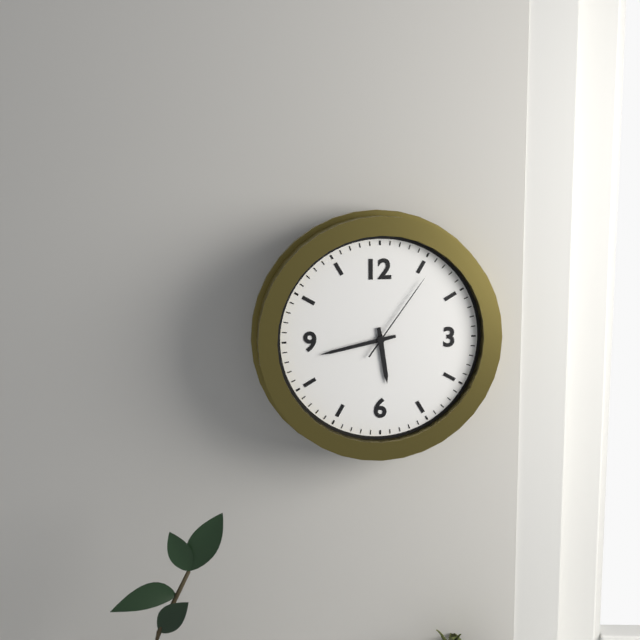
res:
h=5 m=43 s=6
